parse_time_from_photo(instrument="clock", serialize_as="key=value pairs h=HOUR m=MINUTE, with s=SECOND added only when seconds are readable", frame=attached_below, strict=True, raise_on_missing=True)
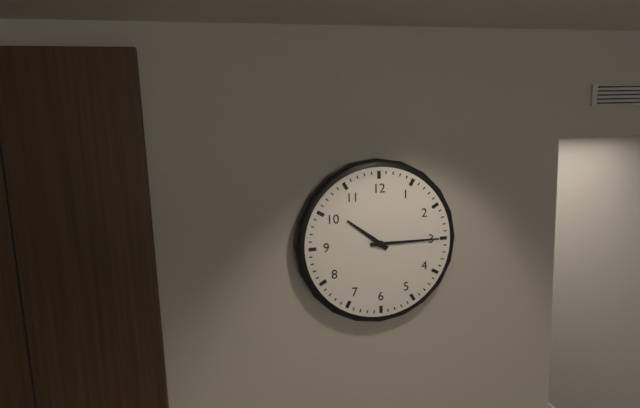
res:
h=10 m=15
